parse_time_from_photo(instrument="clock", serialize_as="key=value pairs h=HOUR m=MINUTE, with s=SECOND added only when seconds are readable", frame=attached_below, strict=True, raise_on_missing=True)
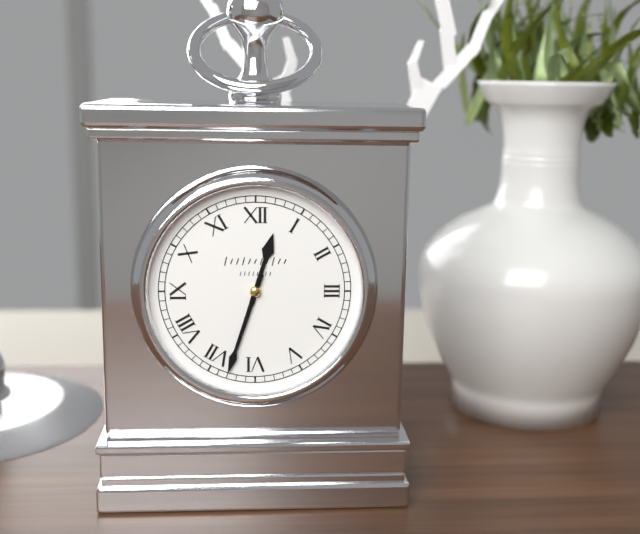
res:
h=12 m=33
